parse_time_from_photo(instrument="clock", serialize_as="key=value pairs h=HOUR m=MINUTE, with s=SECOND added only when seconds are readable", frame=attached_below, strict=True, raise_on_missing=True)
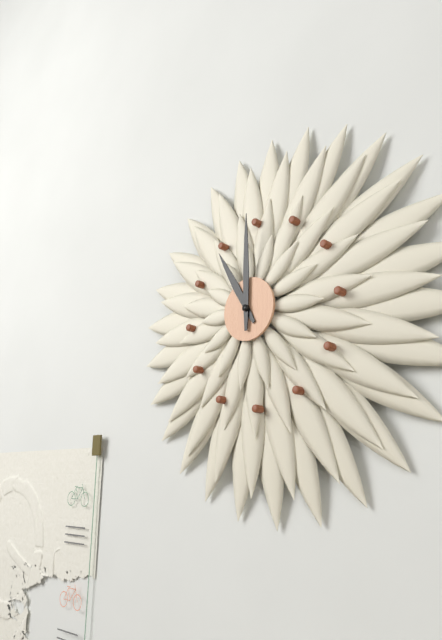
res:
h=11 m=0
